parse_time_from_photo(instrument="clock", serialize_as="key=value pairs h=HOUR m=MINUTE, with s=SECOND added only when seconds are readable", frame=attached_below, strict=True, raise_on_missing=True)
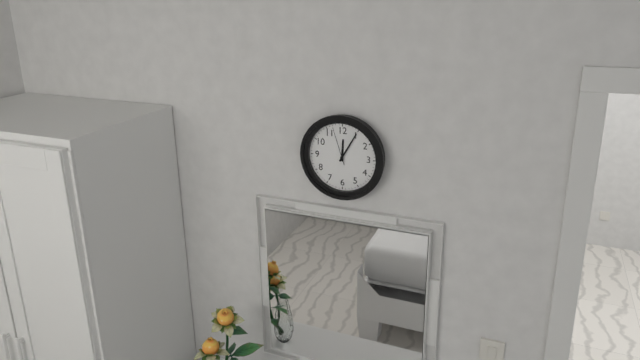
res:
h=12 m=5
